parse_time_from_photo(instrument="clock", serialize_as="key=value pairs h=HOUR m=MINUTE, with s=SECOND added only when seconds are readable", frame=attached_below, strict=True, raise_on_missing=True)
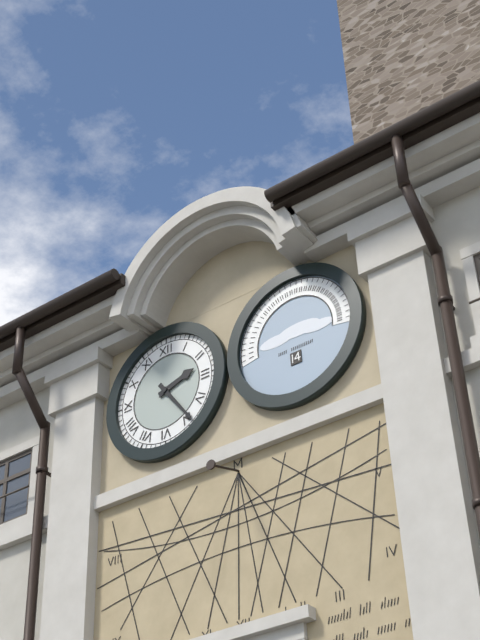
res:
h=2 m=24
